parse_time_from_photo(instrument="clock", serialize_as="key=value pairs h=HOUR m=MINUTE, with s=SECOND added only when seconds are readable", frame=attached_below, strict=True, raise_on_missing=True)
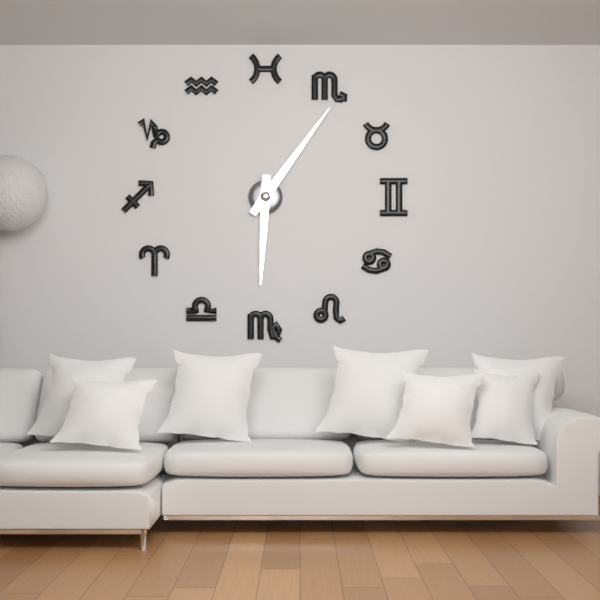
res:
h=6 m=6
